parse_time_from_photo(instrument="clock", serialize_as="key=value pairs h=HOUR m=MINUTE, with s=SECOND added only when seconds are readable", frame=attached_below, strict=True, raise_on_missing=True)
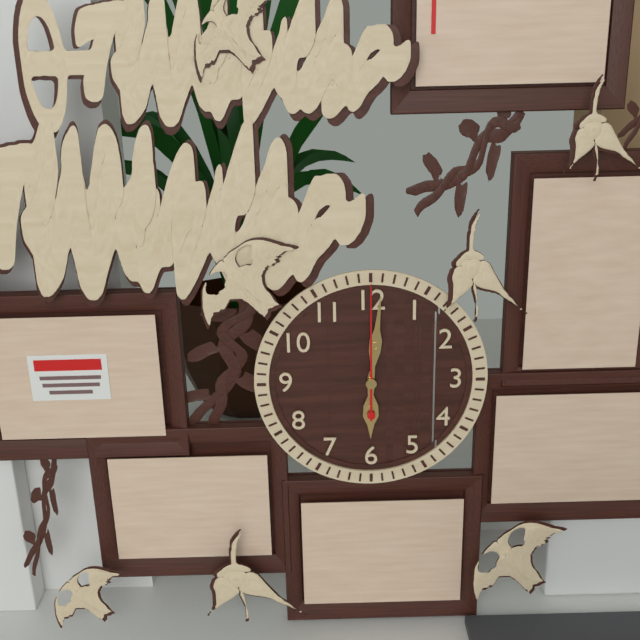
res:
h=6 m=1 s=0
